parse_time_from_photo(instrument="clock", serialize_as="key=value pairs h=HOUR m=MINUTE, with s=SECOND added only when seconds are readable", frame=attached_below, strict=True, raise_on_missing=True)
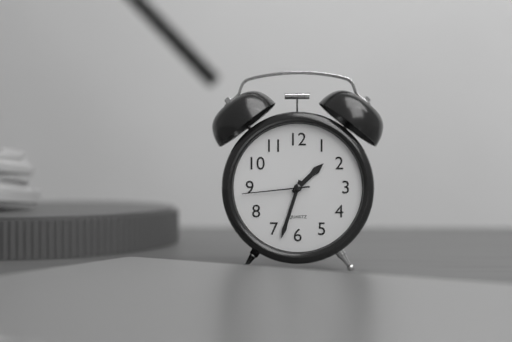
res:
h=1 m=33 s=44
